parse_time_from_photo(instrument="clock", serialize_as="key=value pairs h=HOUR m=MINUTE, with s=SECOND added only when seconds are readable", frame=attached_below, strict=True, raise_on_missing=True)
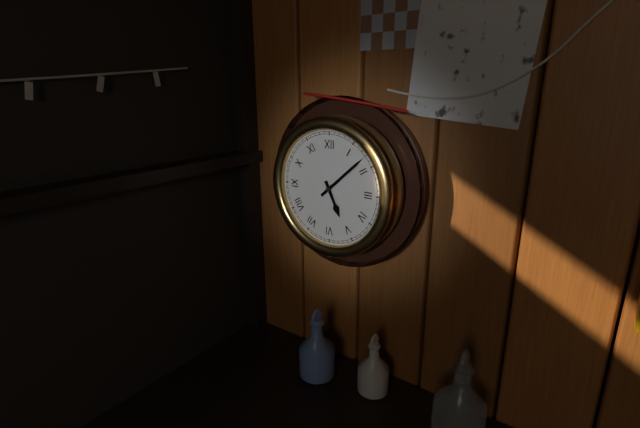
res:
h=5 m=8
